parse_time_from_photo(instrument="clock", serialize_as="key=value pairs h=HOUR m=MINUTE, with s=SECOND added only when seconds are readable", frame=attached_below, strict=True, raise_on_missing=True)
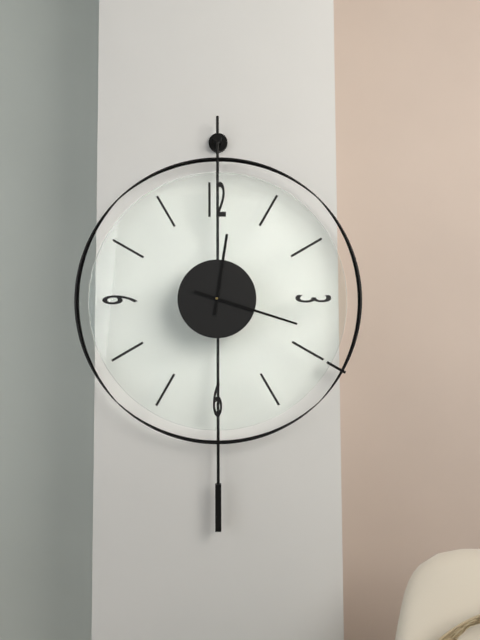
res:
h=12 m=18
